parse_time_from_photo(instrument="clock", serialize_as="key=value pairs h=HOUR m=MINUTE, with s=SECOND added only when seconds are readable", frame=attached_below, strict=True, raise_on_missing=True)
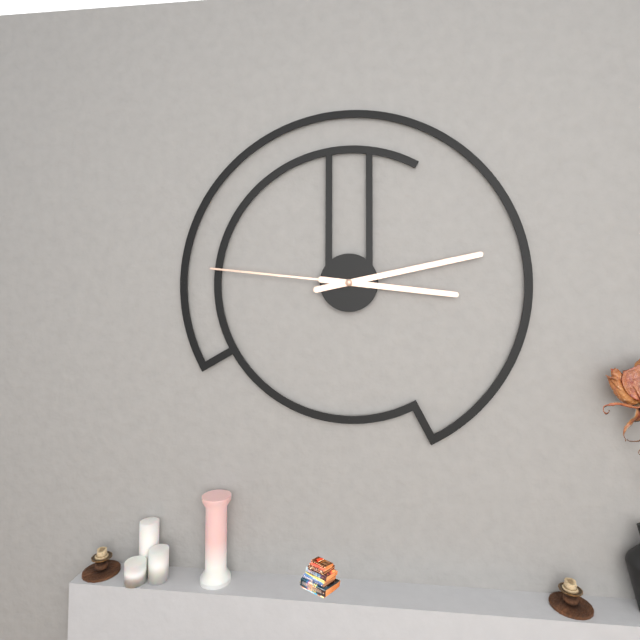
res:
h=3 m=13 s=46
